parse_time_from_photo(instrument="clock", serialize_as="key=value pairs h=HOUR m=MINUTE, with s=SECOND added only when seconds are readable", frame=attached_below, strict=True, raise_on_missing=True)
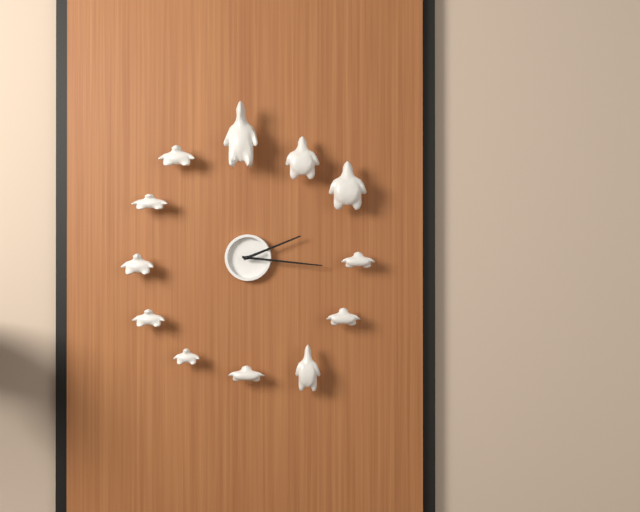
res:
h=2 m=16
